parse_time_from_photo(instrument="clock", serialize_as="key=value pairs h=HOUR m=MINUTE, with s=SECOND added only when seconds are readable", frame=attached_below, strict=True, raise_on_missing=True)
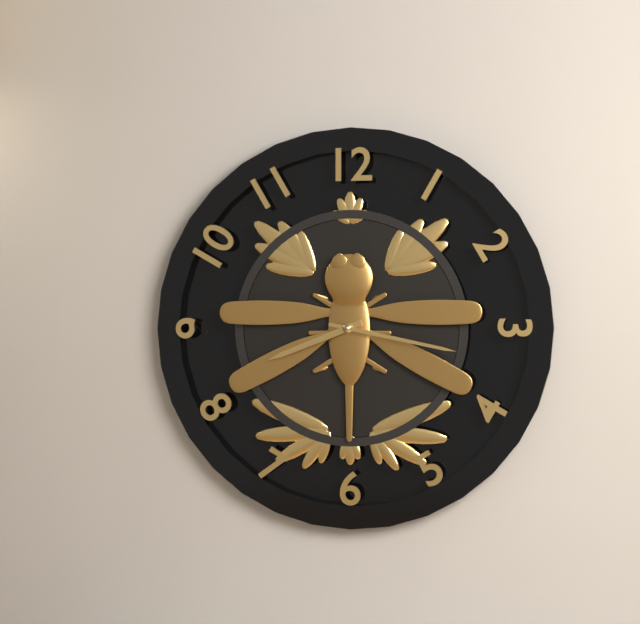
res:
h=8 m=17
